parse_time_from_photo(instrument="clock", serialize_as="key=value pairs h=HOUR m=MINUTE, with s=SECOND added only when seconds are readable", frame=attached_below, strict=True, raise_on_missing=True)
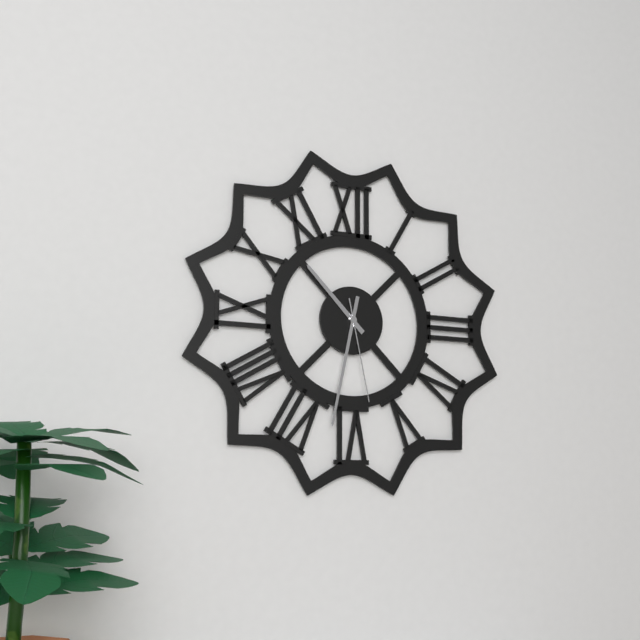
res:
h=10 m=32 s=28
